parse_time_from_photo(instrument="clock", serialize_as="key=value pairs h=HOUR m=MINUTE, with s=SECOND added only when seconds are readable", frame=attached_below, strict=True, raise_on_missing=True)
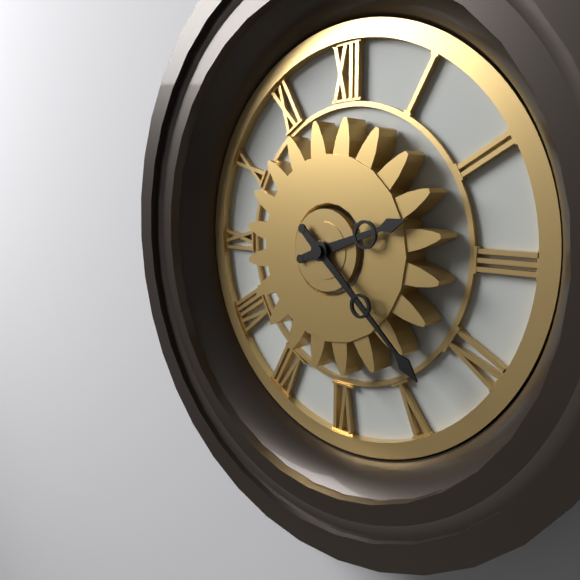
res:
h=2 m=22
